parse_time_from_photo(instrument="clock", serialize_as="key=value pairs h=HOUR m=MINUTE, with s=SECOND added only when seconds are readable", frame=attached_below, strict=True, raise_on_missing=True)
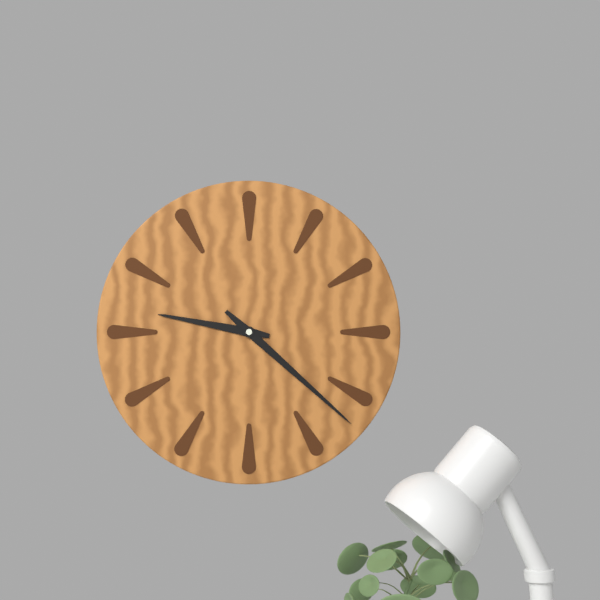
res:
h=9 m=22
